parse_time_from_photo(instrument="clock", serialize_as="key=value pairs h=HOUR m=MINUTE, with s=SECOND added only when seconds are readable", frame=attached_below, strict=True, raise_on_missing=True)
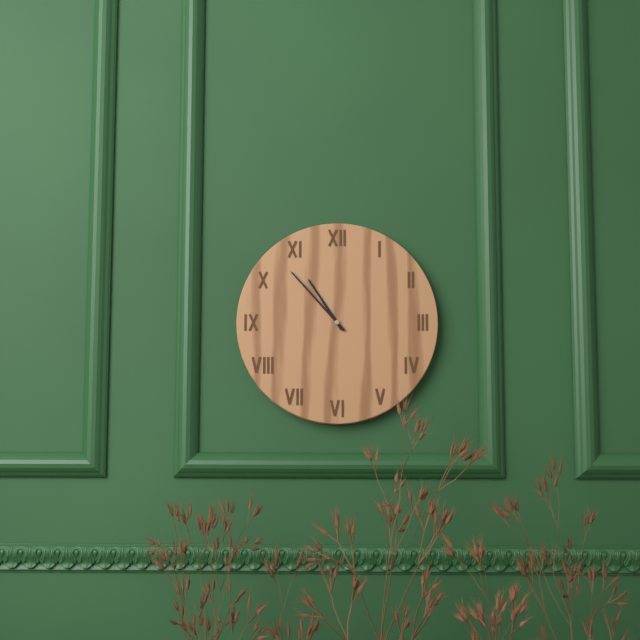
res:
h=10 m=53
